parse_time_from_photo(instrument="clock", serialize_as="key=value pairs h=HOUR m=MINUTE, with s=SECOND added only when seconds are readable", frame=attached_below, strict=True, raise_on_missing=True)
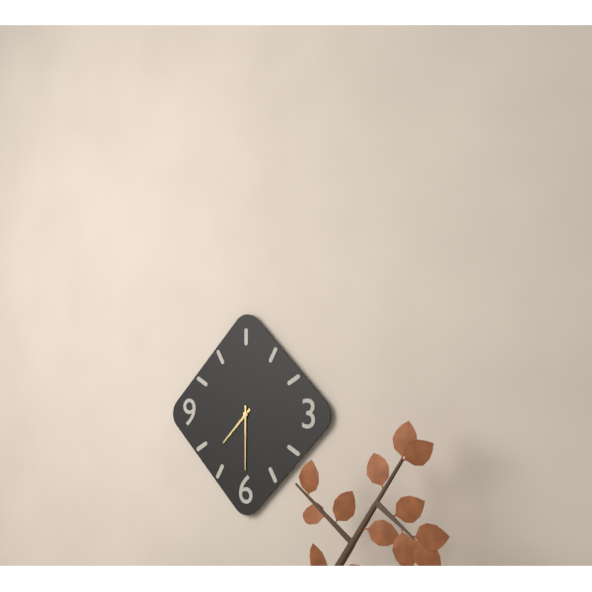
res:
h=7 m=30
